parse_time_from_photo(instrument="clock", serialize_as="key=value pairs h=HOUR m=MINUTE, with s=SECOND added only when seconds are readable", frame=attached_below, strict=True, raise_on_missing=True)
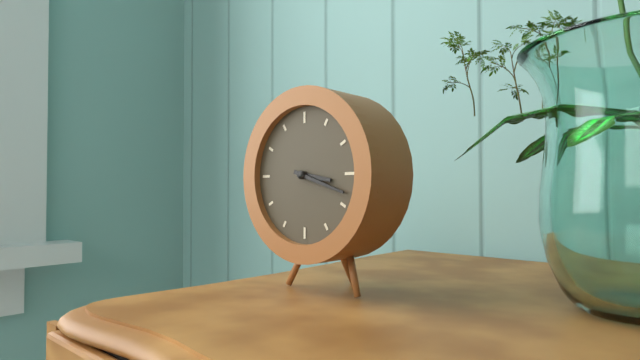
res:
h=3 m=18
